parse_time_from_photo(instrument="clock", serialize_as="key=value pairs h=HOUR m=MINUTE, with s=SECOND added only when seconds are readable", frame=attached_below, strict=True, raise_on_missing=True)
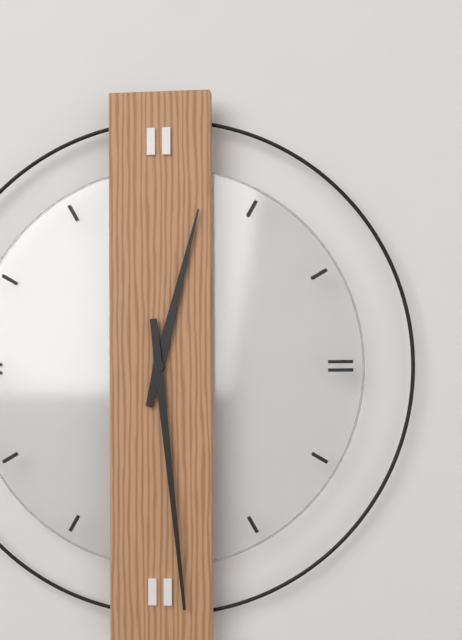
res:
h=12 m=29
